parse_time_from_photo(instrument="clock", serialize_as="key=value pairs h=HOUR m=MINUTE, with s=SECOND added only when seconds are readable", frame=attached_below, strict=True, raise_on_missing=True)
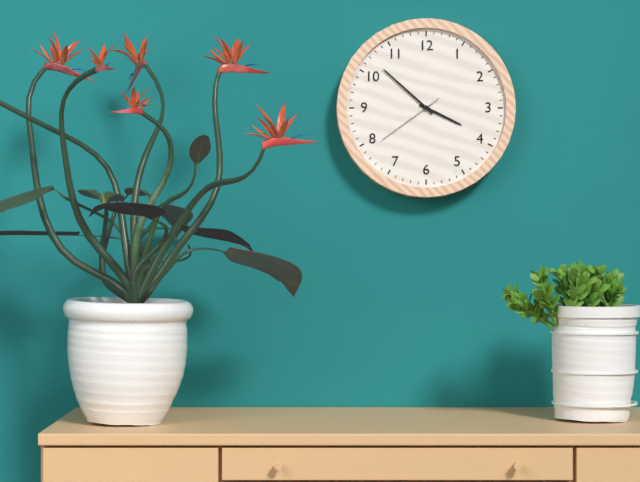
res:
h=3 m=52 s=39
